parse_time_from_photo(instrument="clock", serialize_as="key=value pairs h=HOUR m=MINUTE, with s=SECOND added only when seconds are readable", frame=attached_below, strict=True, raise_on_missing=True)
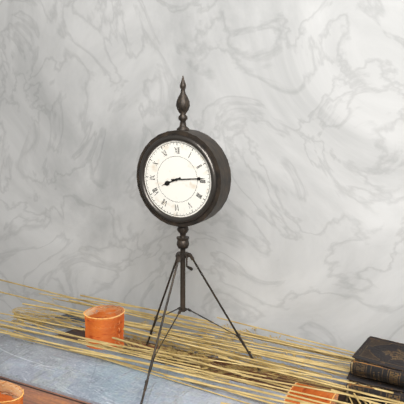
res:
h=8 m=14
